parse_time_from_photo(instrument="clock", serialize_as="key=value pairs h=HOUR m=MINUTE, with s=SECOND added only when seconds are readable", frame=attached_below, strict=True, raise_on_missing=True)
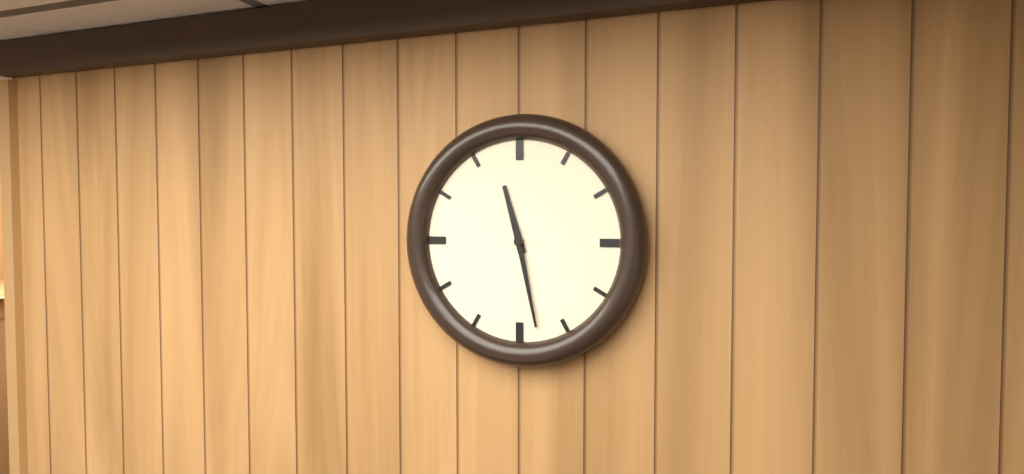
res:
h=11 m=28
